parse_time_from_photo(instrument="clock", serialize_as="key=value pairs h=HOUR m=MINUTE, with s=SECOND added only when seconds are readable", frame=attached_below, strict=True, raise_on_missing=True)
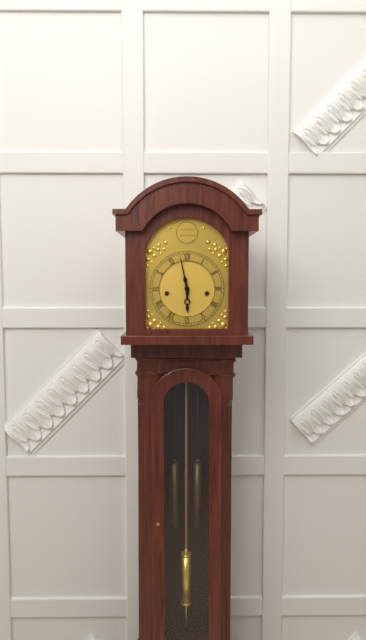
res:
h=5 m=58
